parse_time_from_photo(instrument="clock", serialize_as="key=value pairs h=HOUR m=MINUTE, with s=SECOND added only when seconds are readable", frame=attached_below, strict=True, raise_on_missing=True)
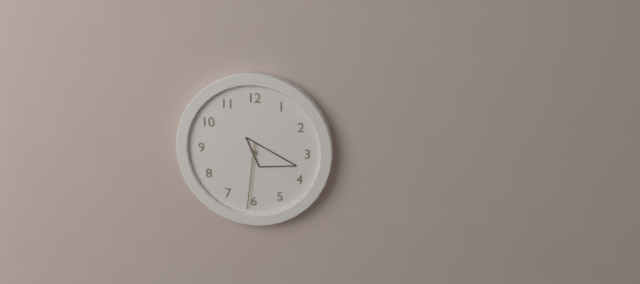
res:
h=3 m=31
